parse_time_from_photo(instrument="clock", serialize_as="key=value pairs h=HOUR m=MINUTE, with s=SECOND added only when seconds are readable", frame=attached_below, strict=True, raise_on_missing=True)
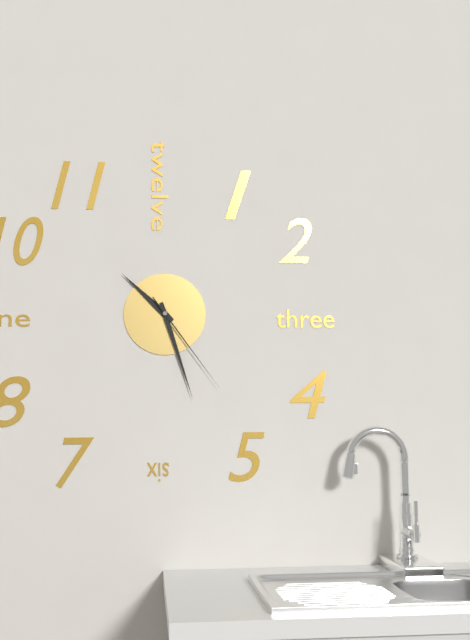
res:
h=10 m=27 s=24
